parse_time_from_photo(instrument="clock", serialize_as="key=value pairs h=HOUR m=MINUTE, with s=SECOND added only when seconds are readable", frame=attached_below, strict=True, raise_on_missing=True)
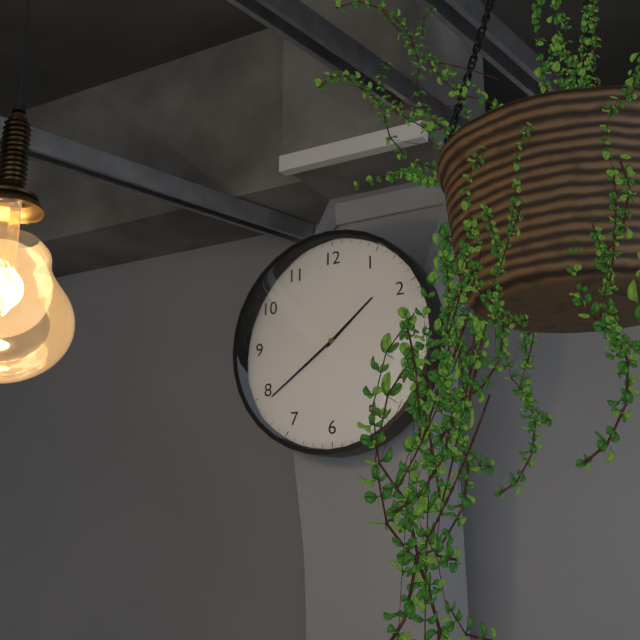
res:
h=1 m=39
